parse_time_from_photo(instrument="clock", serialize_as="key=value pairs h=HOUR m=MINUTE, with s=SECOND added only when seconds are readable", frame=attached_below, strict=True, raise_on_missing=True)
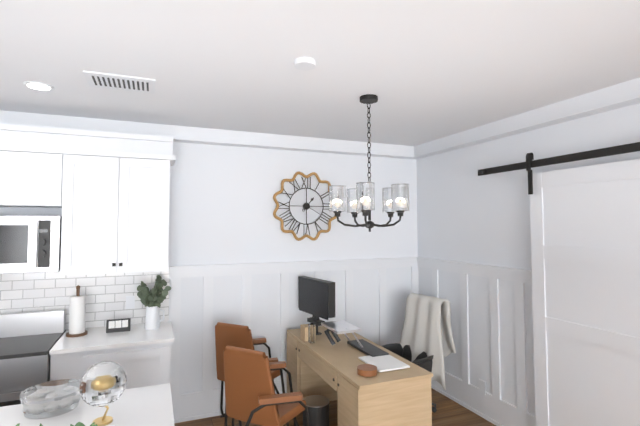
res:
h=1 m=20
